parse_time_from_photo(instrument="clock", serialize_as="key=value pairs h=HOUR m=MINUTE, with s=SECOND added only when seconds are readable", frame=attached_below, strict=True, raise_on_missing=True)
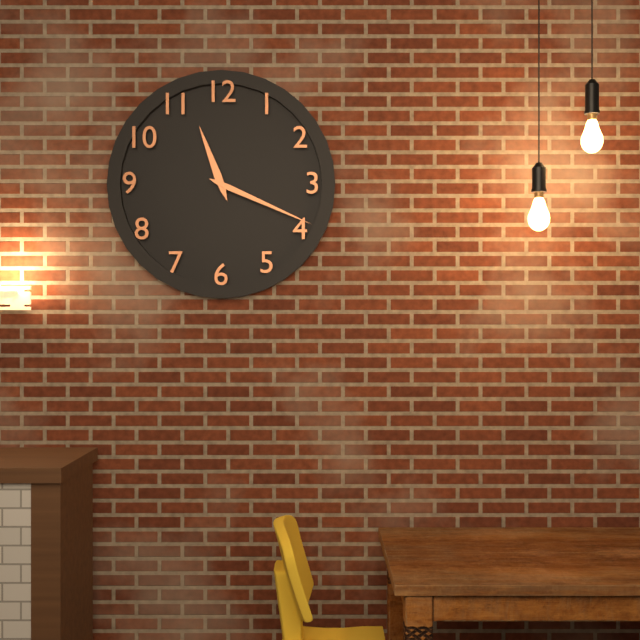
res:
h=11 m=19
